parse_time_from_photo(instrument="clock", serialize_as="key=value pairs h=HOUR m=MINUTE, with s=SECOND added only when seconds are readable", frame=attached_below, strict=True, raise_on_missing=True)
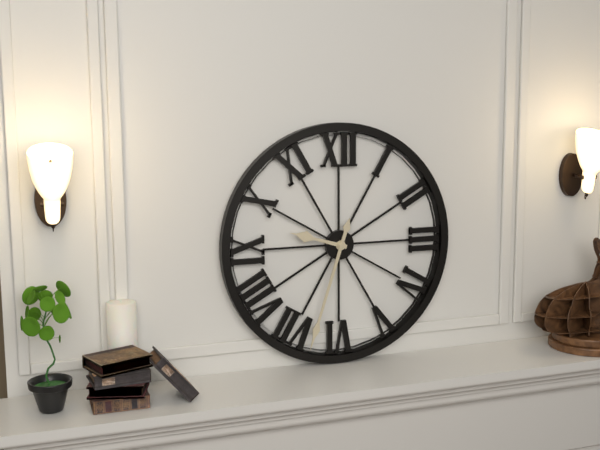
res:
h=9 m=33
